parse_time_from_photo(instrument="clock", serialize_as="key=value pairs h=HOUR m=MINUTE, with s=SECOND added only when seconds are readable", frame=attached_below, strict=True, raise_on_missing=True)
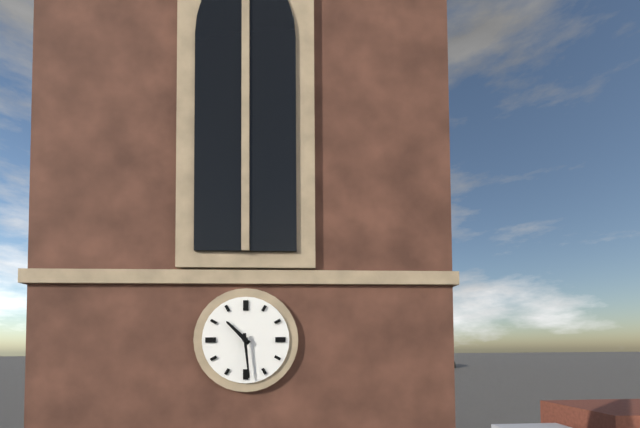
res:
h=10 m=29
